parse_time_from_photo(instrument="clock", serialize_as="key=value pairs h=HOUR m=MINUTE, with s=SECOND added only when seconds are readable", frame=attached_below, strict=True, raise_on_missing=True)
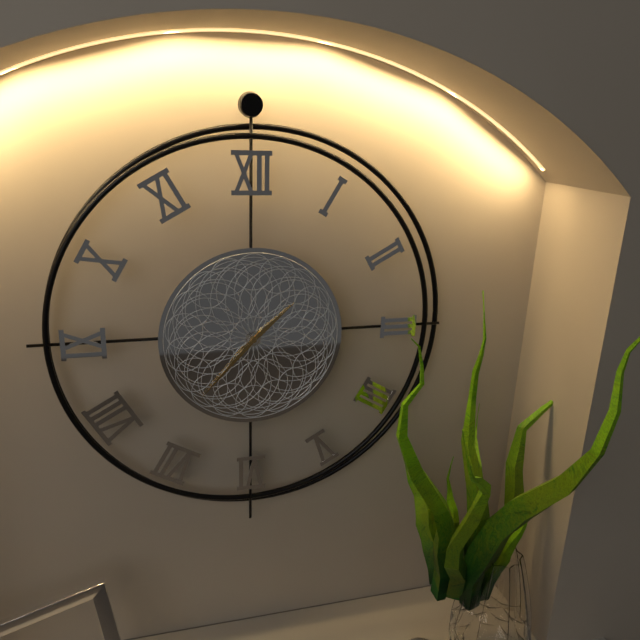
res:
h=1 m=37
